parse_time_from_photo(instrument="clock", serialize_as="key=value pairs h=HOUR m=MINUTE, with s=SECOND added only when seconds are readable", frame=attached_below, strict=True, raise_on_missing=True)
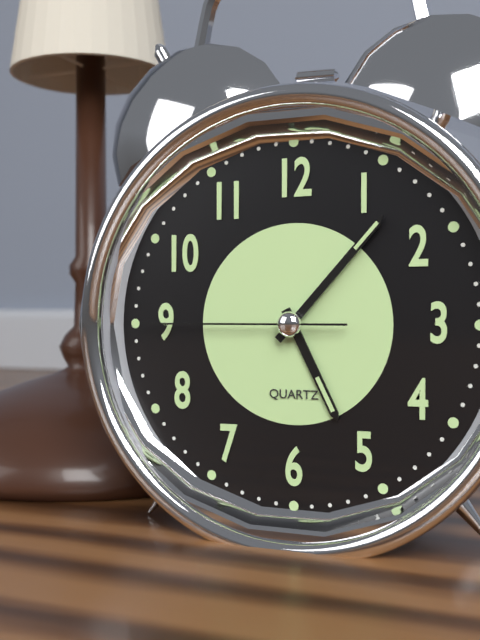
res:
h=5 m=7 s=45
